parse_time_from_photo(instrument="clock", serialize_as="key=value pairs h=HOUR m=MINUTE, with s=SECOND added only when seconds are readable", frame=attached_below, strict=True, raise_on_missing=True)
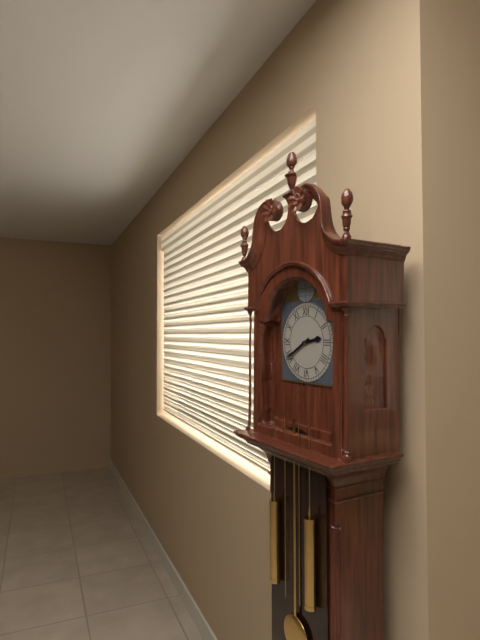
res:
h=2 m=40
